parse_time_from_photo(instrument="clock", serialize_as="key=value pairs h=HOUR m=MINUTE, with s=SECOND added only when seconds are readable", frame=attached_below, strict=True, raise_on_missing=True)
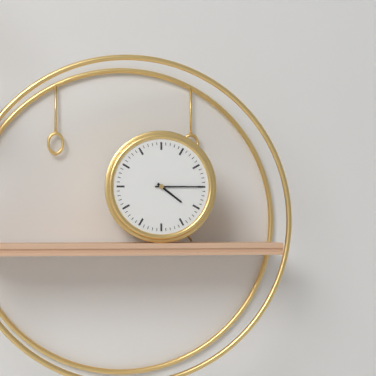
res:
h=4 m=15
